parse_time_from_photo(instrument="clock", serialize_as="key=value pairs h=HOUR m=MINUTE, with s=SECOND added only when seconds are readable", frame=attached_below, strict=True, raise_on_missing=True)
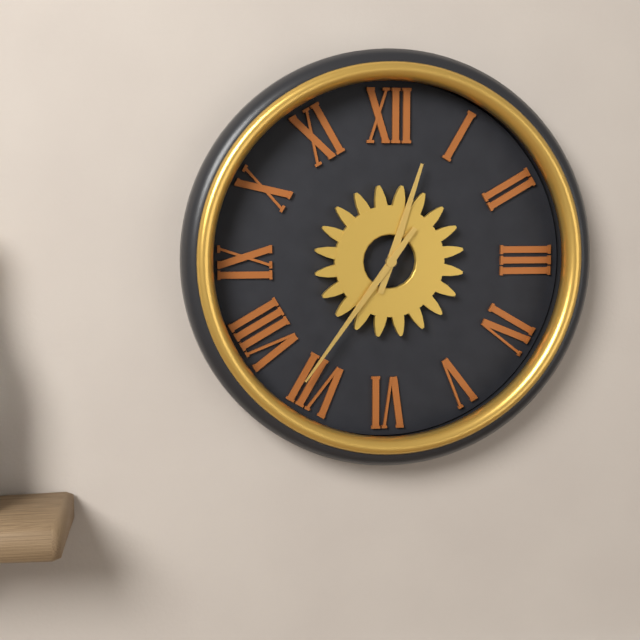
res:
h=12 m=36
